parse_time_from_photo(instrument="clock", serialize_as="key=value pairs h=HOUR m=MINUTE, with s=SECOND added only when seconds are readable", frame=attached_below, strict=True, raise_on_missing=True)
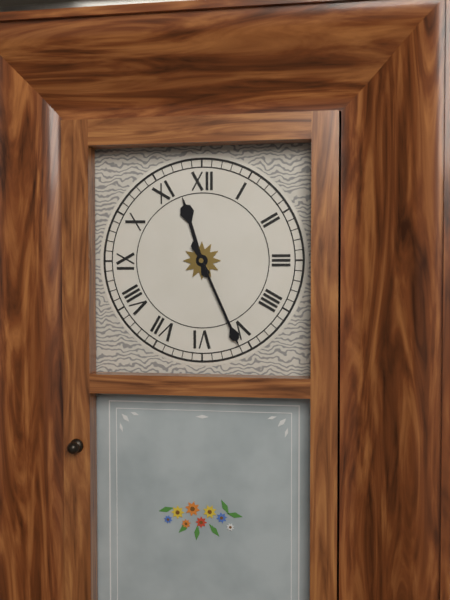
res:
h=11 m=26
